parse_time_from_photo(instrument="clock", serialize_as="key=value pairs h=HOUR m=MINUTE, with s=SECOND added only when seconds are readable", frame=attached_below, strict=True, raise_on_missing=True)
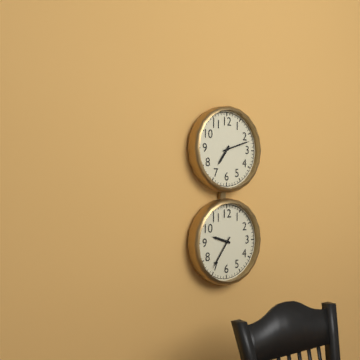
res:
h=7 m=12
